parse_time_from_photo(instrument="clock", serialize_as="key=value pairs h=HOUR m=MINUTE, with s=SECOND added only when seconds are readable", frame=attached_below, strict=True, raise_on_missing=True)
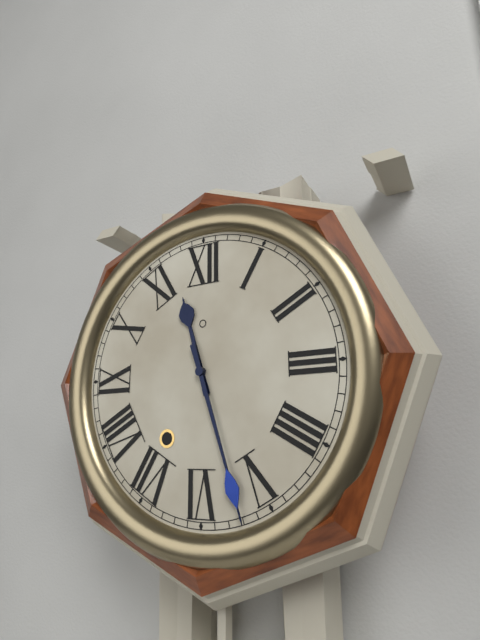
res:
h=11 m=27
